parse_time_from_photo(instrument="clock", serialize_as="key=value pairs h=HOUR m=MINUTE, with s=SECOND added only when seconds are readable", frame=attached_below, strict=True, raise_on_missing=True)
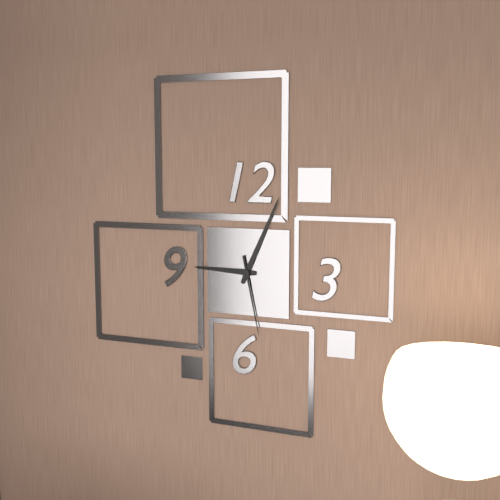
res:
h=9 m=4 s=28
